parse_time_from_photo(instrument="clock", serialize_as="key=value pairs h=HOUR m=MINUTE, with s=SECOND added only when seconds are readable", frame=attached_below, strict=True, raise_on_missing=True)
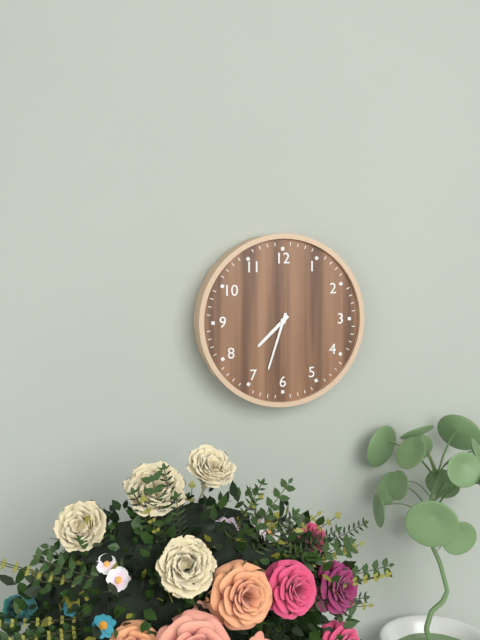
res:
h=7 m=33
